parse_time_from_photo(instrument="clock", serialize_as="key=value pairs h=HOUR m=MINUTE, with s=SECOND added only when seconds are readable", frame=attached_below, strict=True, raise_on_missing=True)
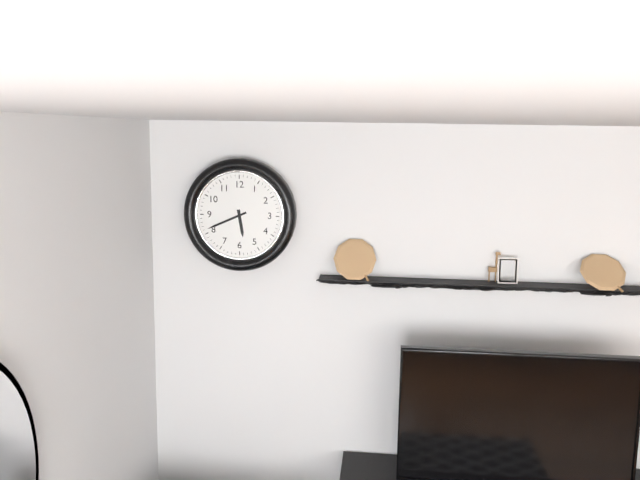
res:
h=5 m=41
